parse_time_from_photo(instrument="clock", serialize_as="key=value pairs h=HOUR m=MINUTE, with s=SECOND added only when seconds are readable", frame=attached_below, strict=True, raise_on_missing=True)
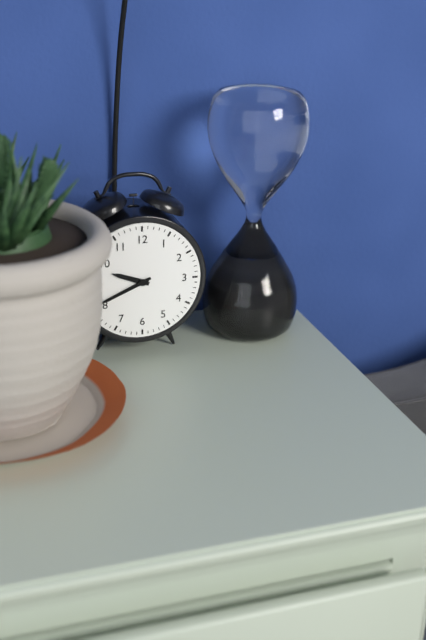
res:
h=9 m=41
